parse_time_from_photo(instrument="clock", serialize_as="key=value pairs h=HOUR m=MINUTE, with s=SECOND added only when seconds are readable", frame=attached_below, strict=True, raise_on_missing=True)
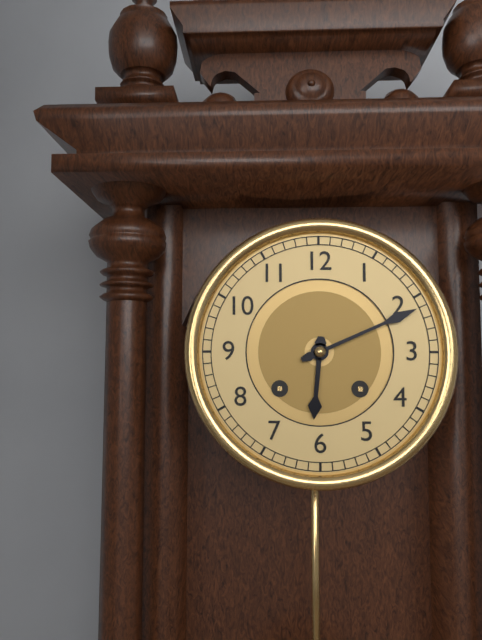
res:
h=6 m=11
